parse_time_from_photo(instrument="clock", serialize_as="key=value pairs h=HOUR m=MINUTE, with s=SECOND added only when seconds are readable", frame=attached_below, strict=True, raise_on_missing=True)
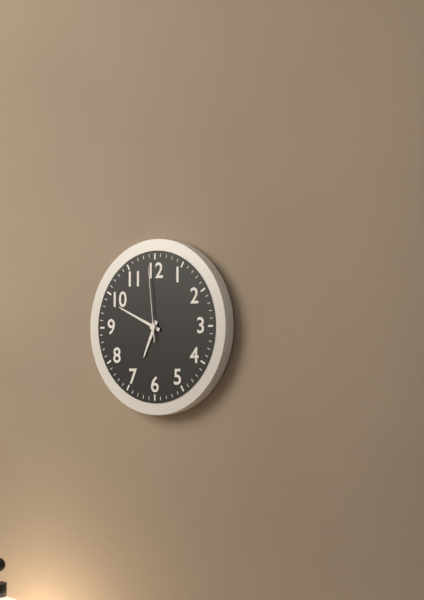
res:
h=6 m=49 s=59
